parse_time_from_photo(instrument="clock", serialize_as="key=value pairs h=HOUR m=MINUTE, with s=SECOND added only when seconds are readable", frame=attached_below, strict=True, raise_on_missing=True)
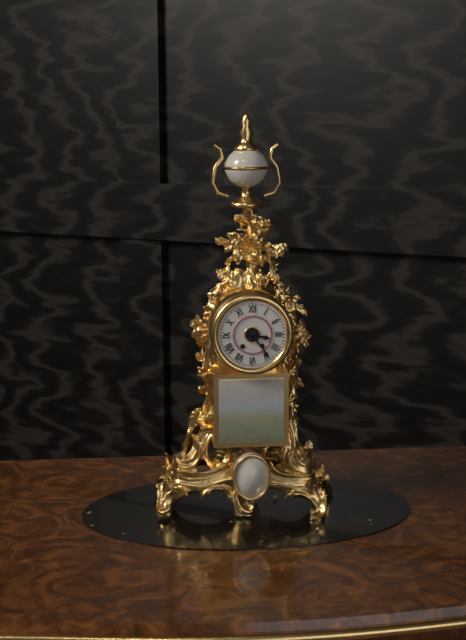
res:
h=3 m=24
